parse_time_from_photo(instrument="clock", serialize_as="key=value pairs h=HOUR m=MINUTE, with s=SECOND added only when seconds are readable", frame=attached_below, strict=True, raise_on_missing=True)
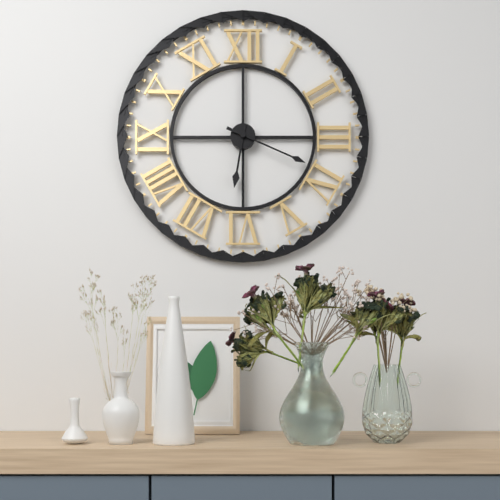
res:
h=6 m=19
